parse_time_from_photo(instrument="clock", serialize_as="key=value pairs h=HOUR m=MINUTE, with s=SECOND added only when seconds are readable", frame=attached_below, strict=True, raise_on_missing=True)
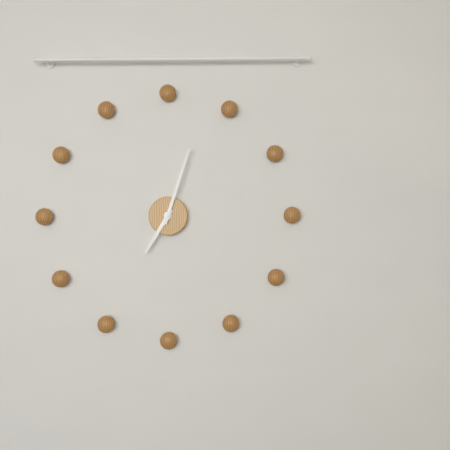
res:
h=7 m=3
